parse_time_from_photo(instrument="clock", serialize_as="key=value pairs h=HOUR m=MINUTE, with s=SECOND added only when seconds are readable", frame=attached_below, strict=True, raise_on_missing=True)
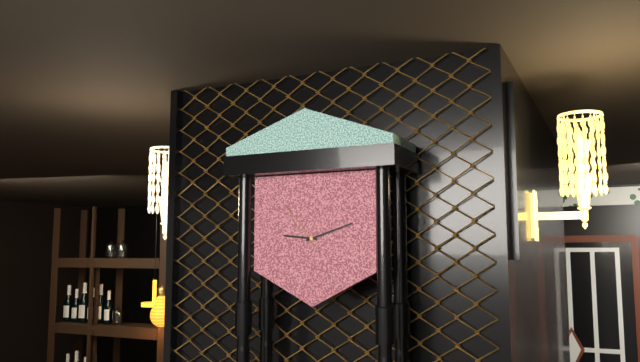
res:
h=9 m=12 s=53
